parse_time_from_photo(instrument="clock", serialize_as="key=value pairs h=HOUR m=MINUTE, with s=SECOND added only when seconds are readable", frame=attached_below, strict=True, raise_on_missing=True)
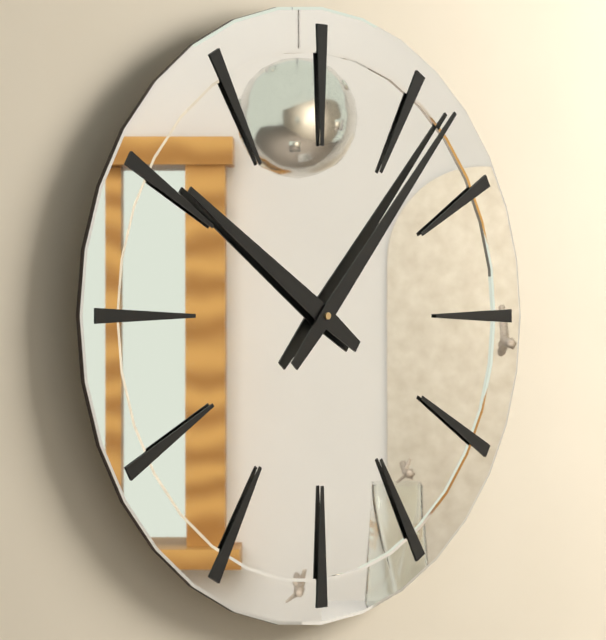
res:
h=10 m=7
